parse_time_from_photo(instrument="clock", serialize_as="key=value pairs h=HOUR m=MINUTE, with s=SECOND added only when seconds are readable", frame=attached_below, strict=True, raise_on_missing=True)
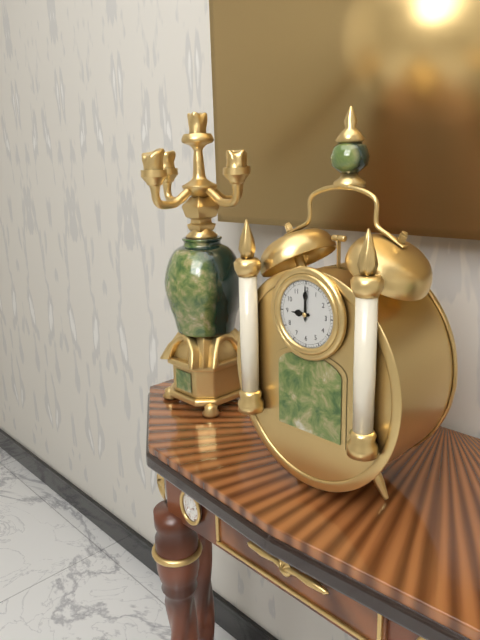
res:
h=9 m=0
